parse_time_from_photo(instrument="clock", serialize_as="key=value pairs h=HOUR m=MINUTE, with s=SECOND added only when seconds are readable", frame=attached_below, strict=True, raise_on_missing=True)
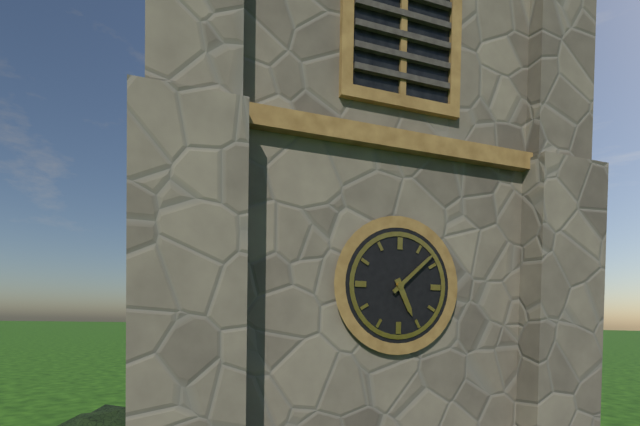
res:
h=5 m=8
